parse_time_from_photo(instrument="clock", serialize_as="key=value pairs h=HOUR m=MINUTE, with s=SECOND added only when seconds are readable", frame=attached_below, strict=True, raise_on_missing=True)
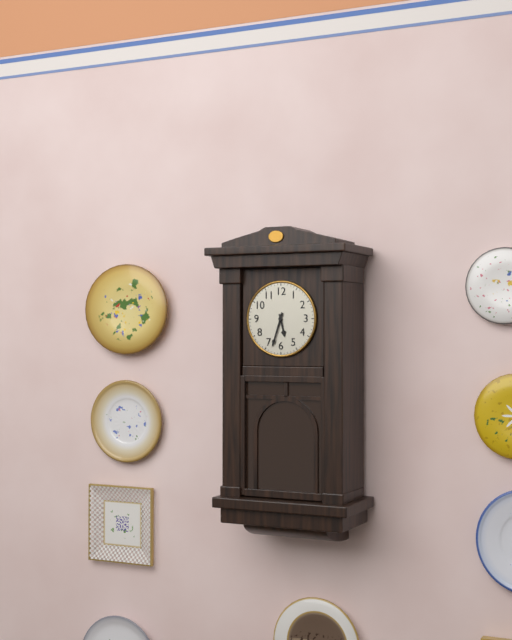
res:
h=5 m=33
